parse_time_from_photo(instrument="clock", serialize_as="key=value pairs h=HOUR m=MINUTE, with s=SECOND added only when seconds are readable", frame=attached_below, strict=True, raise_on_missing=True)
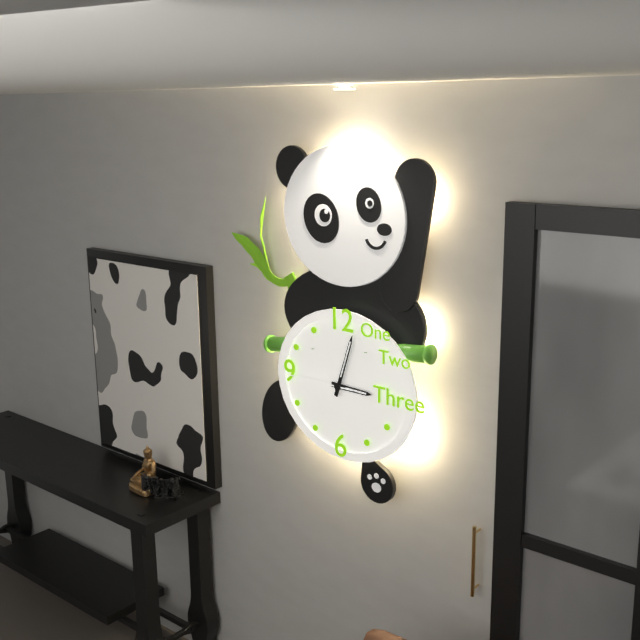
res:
h=3 m=3 s=45
